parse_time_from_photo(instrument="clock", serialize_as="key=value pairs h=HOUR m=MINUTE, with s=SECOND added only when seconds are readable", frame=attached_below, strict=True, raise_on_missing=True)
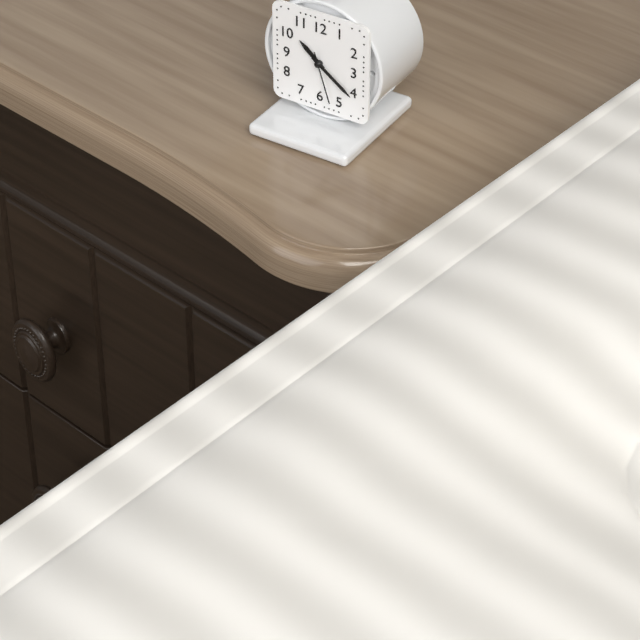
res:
h=10 m=21 s=27
